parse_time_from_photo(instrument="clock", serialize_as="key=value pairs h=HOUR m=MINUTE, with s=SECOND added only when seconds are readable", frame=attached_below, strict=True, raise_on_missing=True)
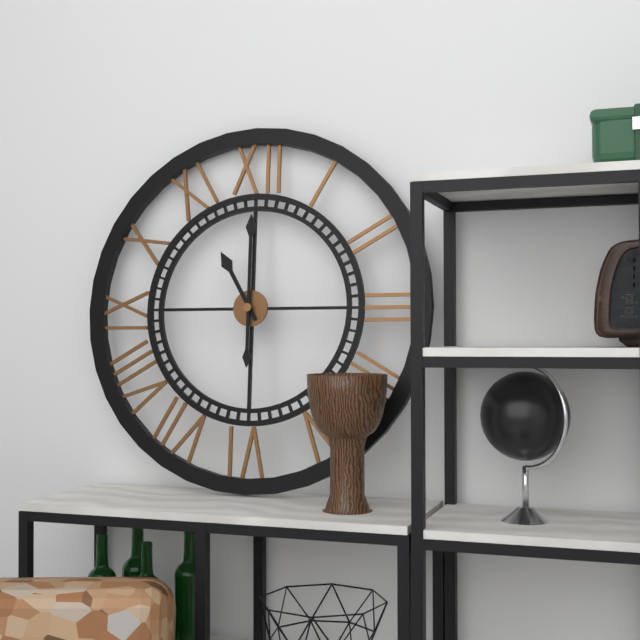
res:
h=11 m=0
